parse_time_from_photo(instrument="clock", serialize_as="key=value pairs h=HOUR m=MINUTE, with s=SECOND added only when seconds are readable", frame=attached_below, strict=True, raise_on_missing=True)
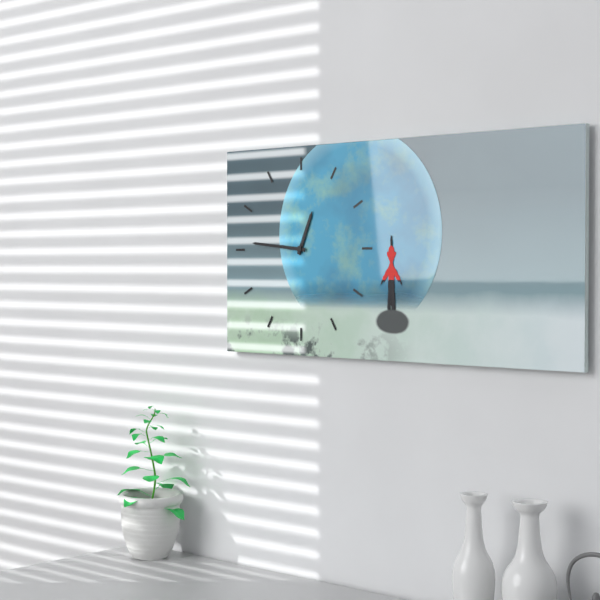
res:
h=12 m=46
